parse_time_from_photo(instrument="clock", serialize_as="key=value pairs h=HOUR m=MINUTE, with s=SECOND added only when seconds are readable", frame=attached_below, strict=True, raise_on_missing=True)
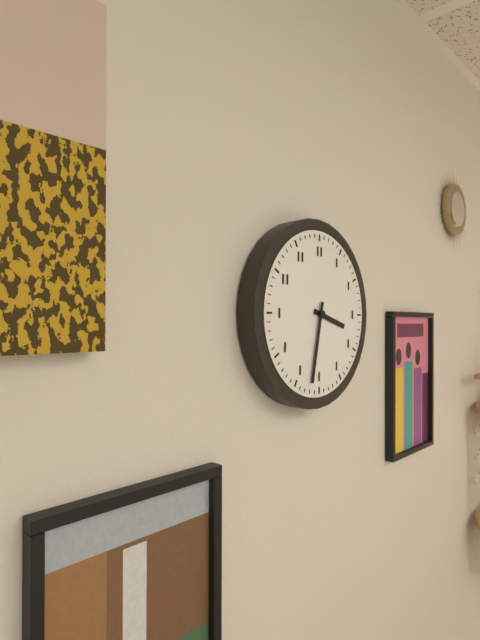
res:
h=3 m=32
